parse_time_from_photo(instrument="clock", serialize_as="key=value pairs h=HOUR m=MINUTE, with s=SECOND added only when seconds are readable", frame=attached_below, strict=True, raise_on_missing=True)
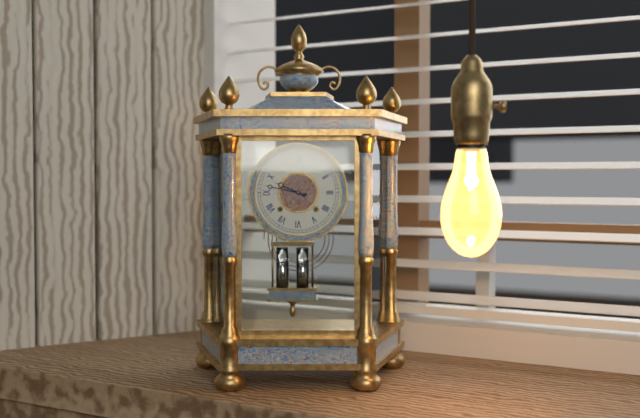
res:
h=9 m=47
